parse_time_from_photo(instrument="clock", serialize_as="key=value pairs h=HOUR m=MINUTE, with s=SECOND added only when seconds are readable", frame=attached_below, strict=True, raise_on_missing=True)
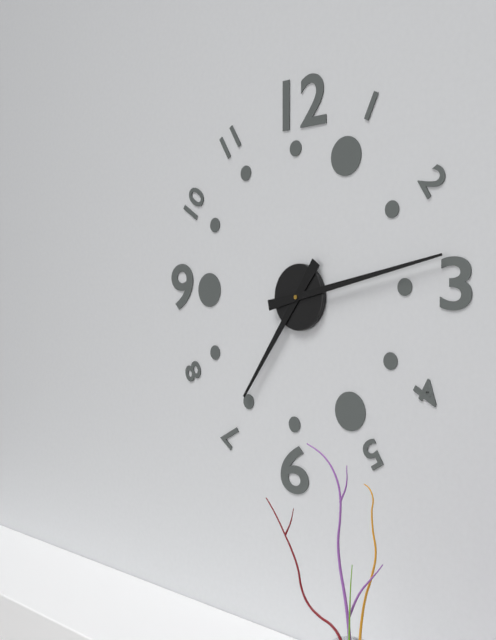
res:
h=7 m=13
